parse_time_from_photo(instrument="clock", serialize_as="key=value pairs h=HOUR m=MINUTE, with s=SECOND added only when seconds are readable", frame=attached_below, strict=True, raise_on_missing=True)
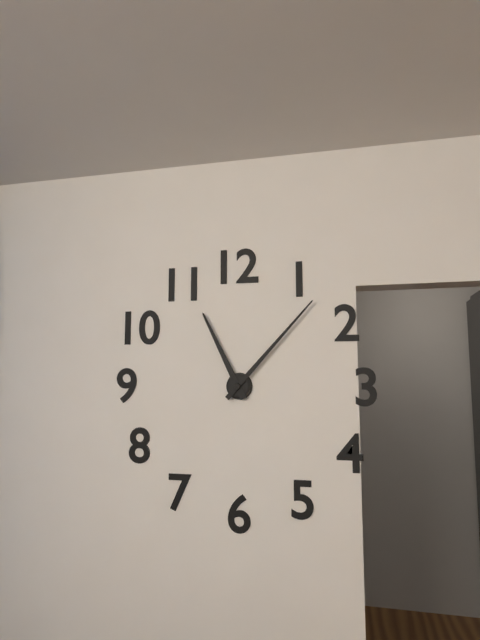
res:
h=11 m=7
